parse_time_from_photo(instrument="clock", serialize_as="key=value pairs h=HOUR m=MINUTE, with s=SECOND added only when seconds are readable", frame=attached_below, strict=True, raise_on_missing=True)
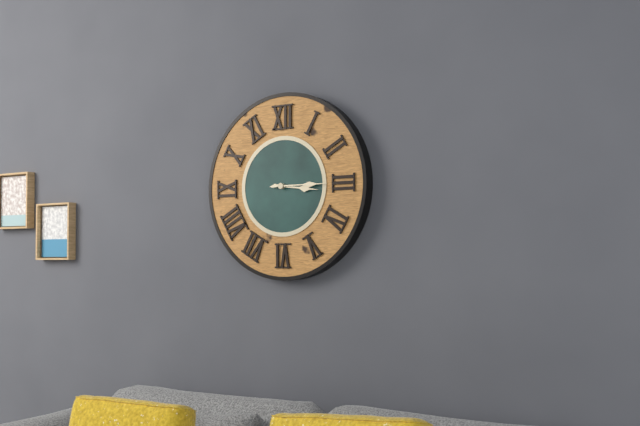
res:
h=3 m=15
